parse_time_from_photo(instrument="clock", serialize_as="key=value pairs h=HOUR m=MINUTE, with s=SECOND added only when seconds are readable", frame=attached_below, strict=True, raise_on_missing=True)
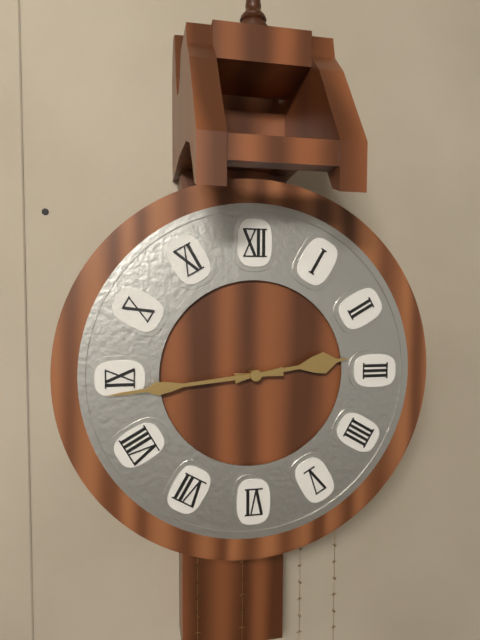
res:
h=2 m=44
